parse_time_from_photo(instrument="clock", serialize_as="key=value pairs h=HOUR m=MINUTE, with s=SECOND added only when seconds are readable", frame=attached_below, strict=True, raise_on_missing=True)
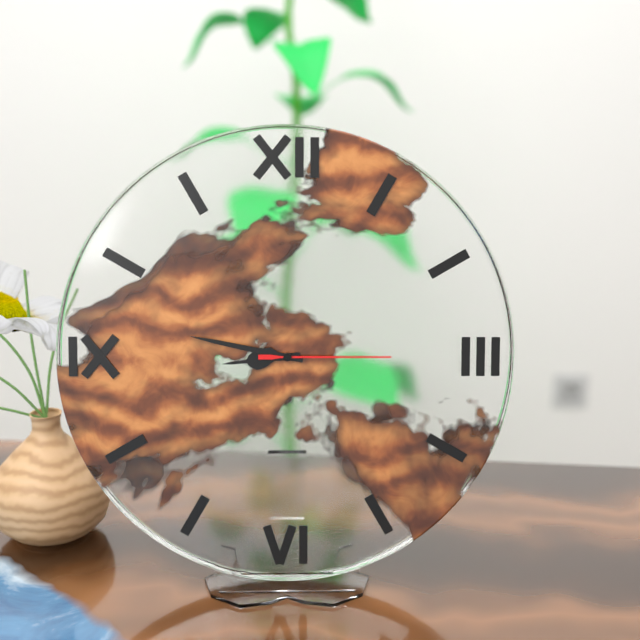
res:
h=8 m=47 s=15
